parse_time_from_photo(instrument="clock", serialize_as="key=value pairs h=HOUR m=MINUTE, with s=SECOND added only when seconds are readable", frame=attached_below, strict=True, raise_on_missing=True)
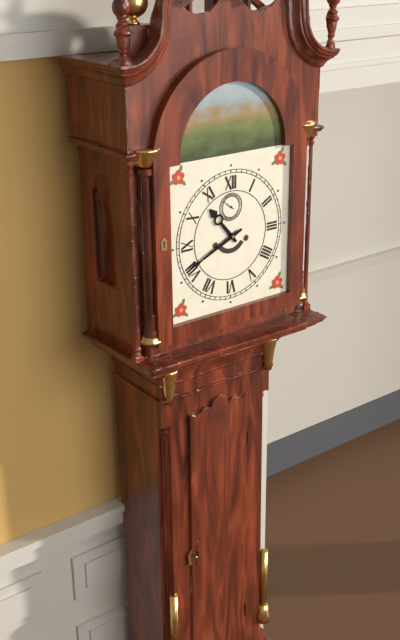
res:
h=10 m=41
